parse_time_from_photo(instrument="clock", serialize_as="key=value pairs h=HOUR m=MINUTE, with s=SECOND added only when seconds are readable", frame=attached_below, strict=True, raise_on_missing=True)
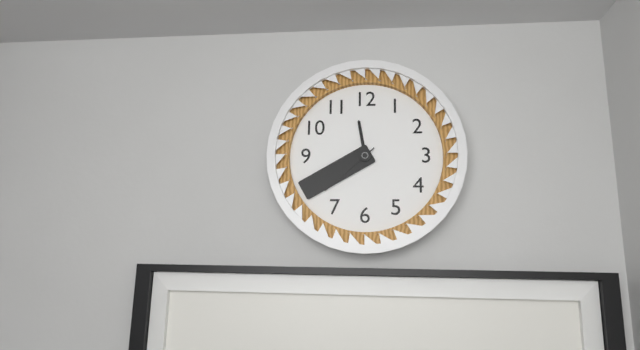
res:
h=11 m=40 s=38
